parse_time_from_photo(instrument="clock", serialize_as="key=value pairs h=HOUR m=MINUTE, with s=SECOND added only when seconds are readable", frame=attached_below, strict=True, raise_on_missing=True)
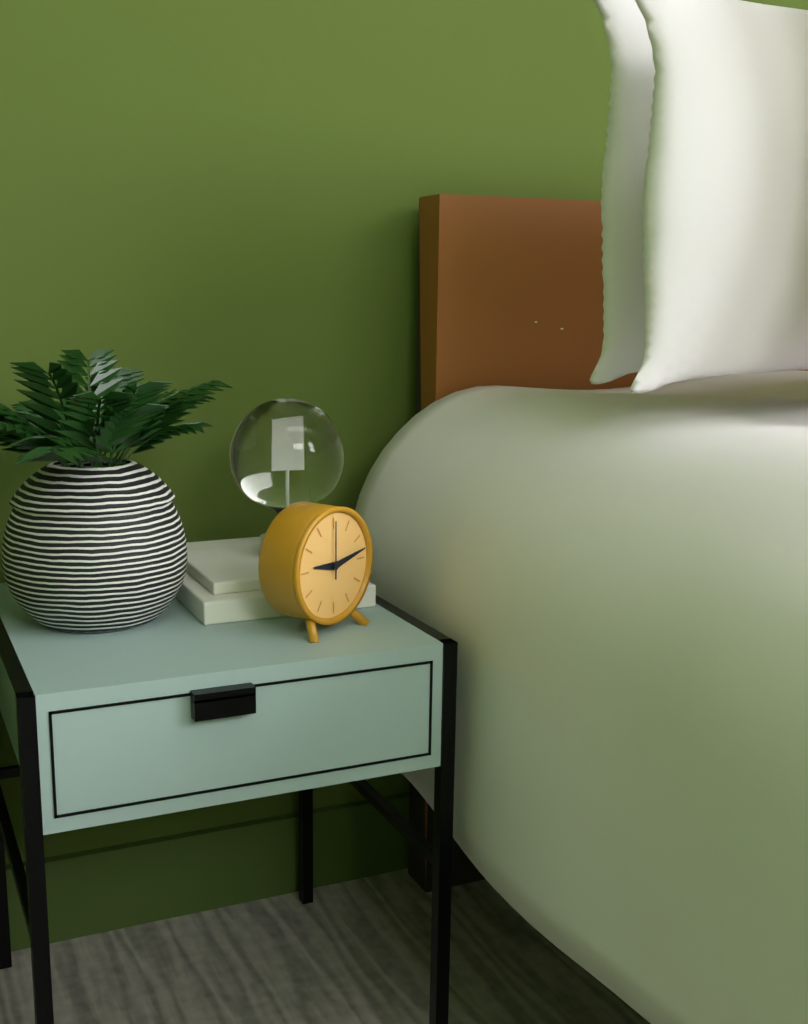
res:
h=9 m=13 s=0
